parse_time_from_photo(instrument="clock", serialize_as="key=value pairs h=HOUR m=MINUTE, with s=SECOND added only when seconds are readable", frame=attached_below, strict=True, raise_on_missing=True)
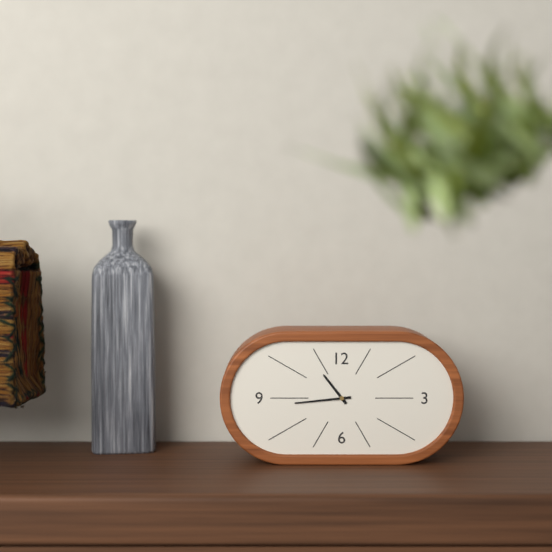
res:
h=10 m=44
